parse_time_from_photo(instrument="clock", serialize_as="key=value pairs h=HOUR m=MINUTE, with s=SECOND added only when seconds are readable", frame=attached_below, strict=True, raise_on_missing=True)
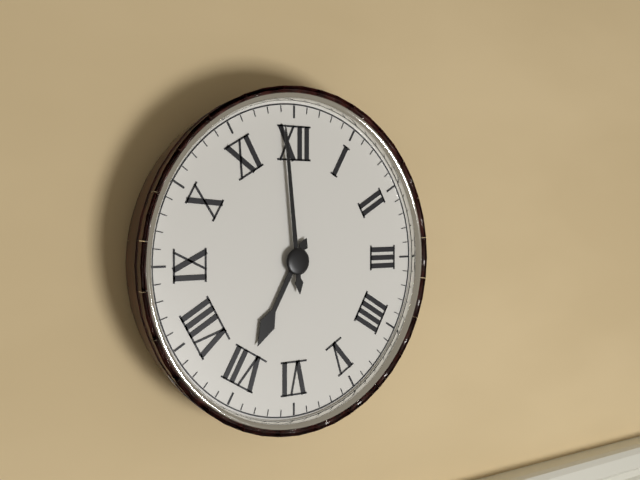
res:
h=6 m=59
